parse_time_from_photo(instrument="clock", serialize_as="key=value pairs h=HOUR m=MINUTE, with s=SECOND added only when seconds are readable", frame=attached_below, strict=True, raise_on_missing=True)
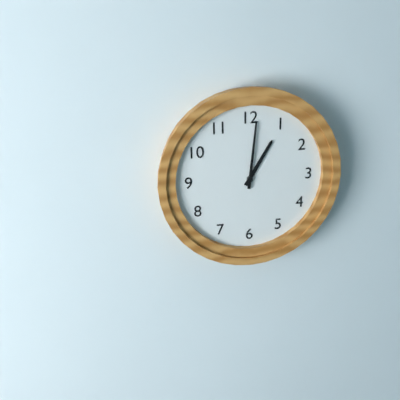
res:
h=1 m=1
